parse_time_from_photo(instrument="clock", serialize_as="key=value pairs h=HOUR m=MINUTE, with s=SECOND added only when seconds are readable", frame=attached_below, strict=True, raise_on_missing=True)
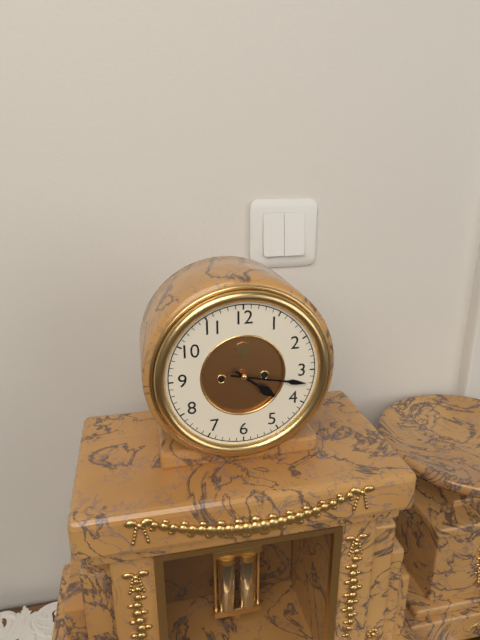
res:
h=4 m=17
